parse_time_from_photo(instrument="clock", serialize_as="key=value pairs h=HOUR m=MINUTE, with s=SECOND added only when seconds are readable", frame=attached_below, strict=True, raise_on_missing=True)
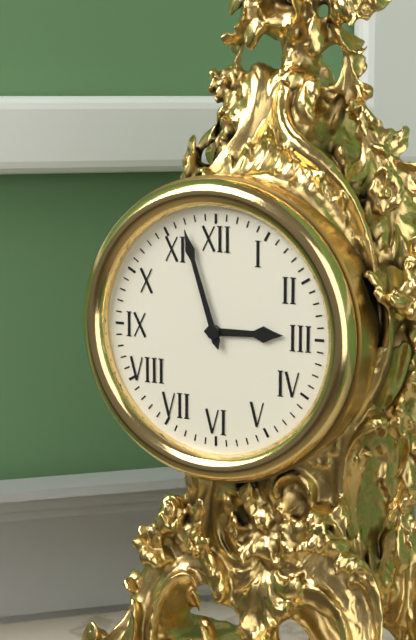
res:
h=2 m=57
